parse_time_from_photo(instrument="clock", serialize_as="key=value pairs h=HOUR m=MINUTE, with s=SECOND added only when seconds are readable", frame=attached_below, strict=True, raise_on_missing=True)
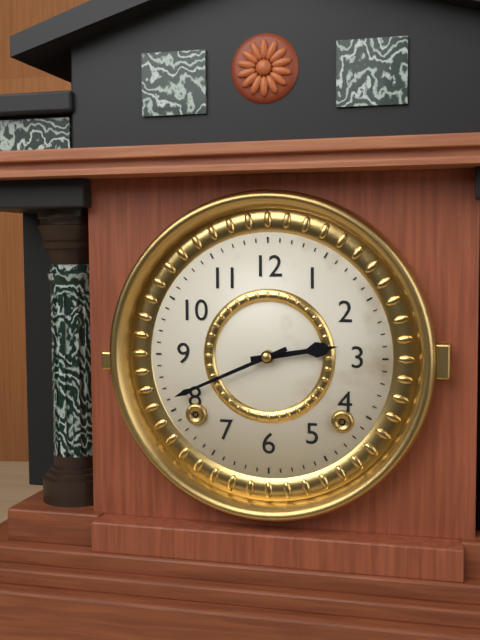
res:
h=2 m=41
